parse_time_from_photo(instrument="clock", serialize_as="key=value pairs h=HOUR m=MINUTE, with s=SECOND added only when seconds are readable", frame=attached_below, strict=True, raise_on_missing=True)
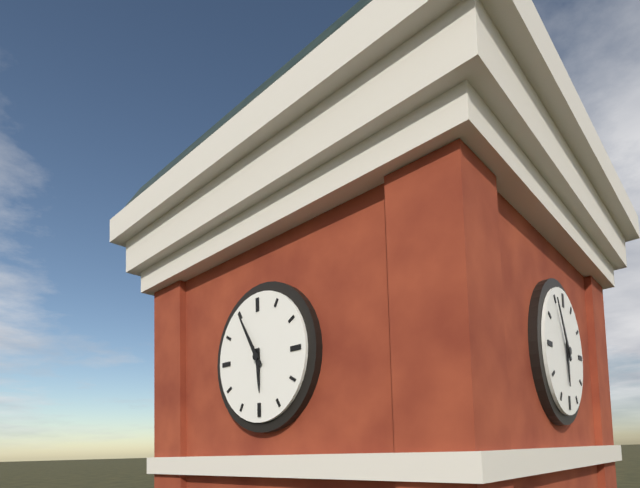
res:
h=5 m=55
